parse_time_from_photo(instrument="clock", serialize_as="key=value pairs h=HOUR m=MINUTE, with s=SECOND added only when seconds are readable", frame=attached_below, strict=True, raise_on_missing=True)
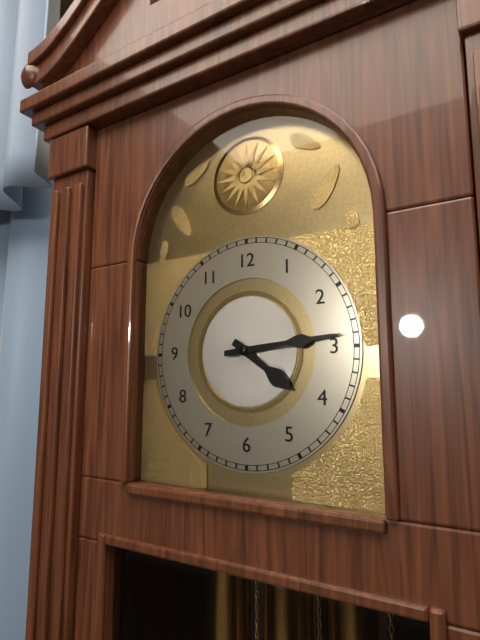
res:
h=4 m=14
